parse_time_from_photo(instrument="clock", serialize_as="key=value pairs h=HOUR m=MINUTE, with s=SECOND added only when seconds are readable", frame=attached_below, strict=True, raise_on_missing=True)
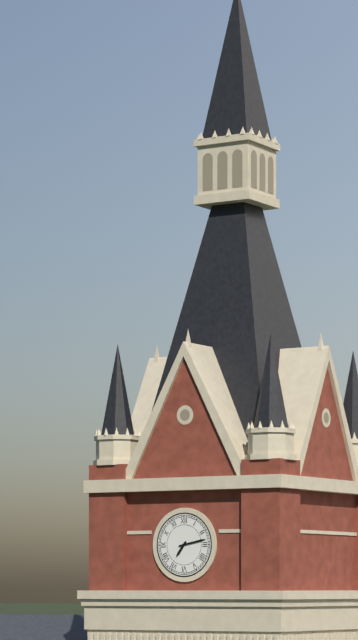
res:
h=7 m=13
